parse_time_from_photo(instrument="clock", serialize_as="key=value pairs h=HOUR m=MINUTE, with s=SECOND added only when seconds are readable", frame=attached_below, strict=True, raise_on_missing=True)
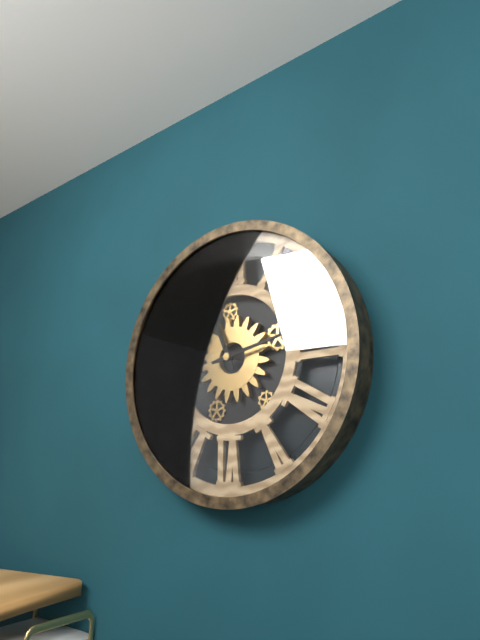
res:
h=11 m=13
